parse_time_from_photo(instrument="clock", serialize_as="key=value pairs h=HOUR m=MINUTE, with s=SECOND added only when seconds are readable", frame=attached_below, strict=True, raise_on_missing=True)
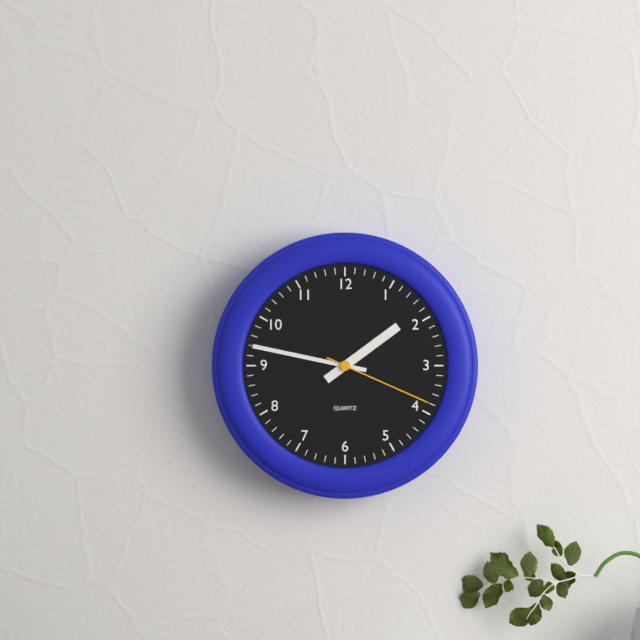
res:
h=1 m=47 s=19
